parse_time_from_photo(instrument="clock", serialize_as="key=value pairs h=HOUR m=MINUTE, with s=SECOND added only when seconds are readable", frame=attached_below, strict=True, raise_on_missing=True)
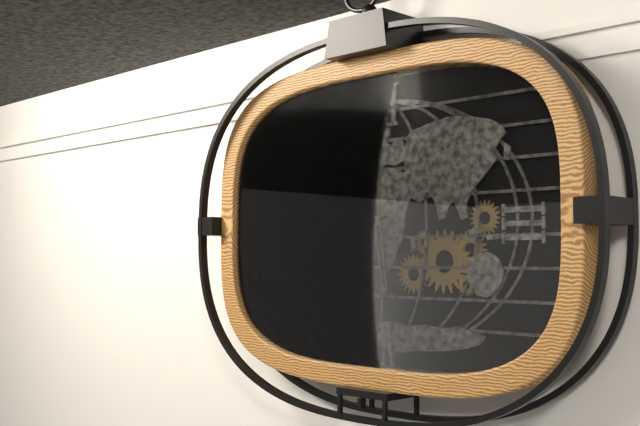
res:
h=5 m=43
